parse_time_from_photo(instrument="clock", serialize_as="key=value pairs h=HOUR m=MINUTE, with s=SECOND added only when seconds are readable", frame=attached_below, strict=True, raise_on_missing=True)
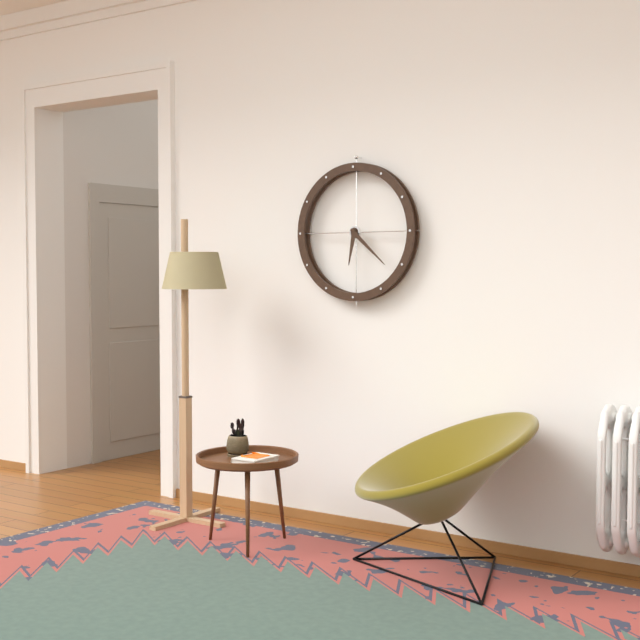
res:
h=6 m=22
